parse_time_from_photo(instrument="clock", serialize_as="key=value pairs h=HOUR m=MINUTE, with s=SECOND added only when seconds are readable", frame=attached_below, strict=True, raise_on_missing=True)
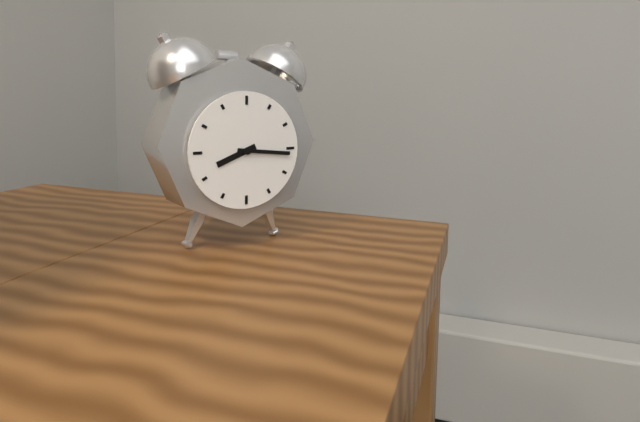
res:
h=8 m=16
